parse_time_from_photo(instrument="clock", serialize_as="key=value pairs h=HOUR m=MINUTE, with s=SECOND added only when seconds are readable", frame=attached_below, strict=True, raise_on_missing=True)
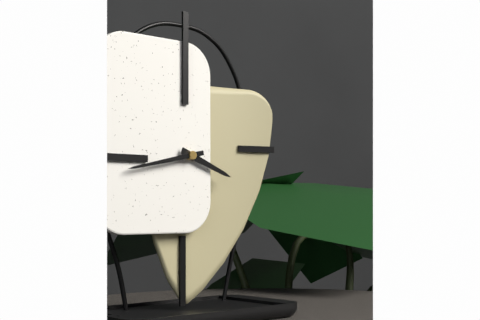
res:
h=3 m=43
